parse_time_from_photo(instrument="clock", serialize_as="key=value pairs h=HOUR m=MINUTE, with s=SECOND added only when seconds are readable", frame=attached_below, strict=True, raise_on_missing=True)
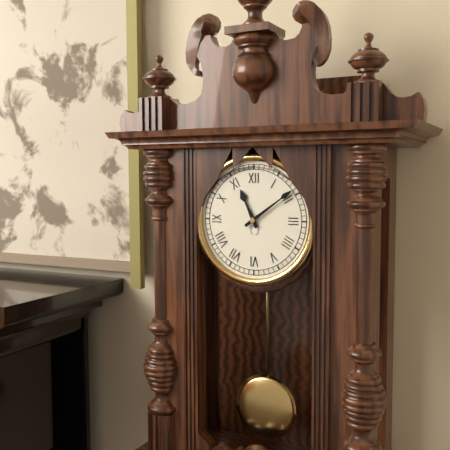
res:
h=11 m=9
